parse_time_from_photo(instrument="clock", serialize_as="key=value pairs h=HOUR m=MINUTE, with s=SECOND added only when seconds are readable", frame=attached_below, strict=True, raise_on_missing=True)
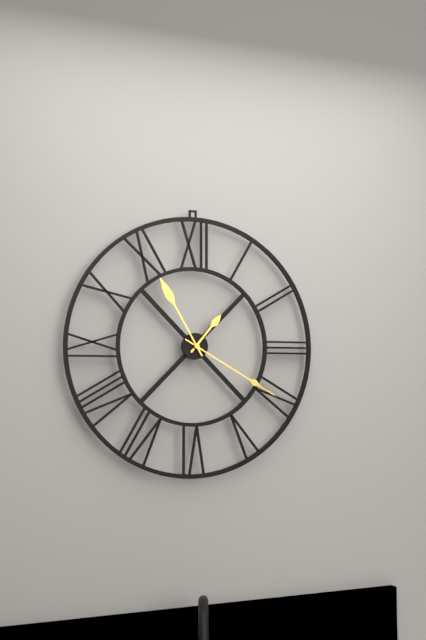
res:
h=1 m=20 s=55
